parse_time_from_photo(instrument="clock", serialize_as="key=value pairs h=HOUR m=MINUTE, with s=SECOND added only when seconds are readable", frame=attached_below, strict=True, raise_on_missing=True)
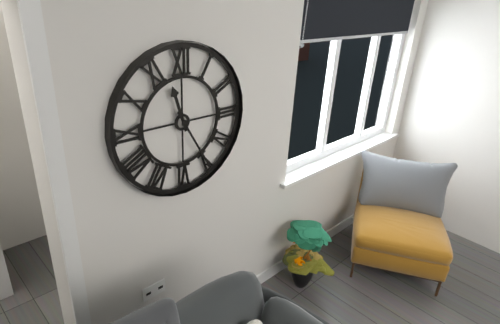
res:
h=11 m=25
